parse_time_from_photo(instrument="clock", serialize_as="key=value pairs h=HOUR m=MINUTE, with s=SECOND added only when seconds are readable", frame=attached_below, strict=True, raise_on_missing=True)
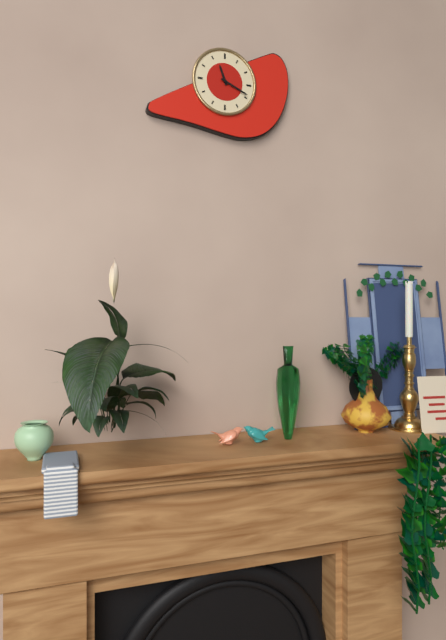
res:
h=11 m=19
